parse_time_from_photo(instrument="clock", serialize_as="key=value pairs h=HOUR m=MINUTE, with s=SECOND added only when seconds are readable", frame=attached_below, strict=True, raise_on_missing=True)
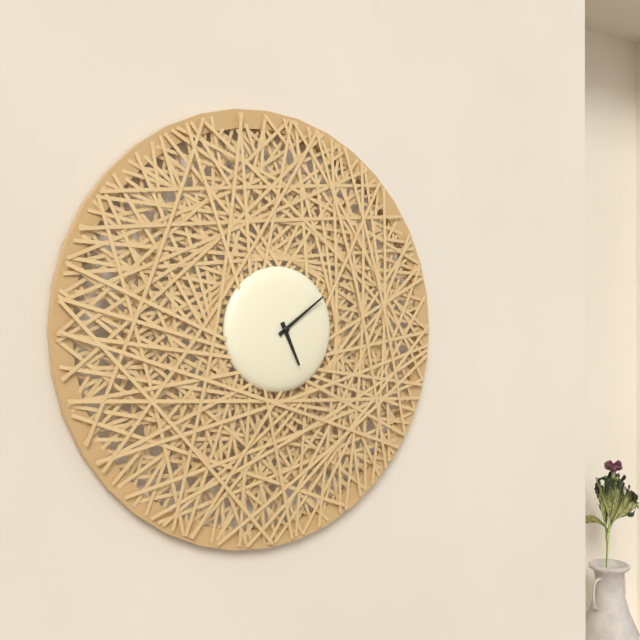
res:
h=5 m=9
